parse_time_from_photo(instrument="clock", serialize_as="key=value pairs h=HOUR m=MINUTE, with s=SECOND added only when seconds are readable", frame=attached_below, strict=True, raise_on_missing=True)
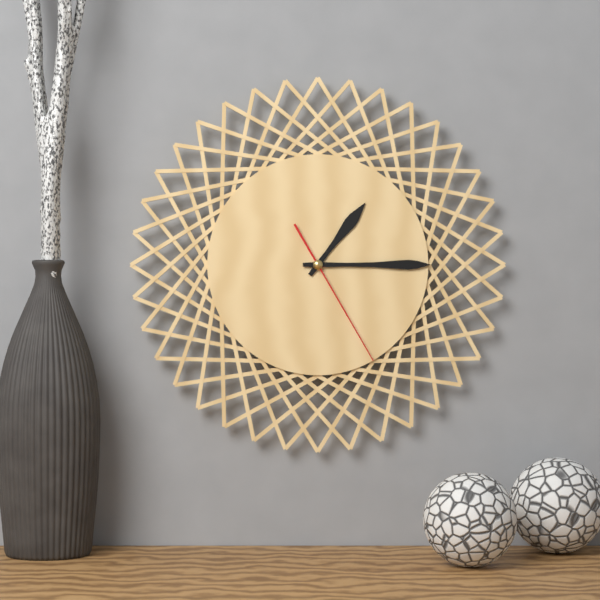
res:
h=1 m=15 s=25
